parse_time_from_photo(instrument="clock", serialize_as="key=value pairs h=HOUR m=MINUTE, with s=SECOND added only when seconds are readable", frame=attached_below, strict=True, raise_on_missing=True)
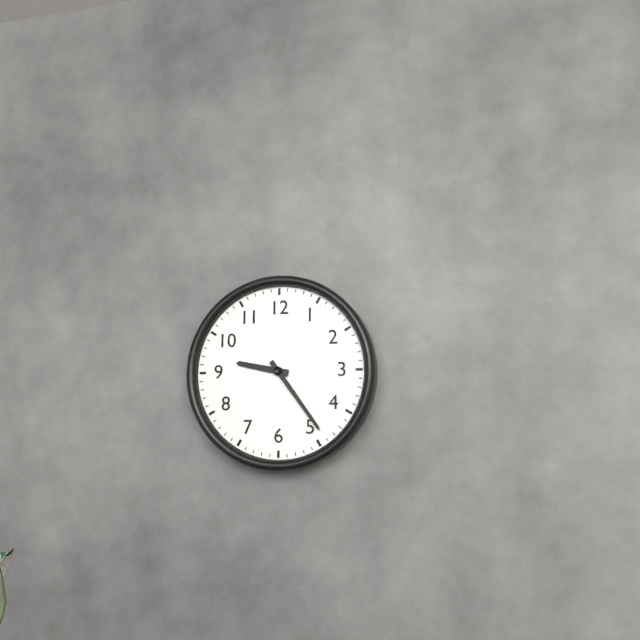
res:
h=9 m=24
